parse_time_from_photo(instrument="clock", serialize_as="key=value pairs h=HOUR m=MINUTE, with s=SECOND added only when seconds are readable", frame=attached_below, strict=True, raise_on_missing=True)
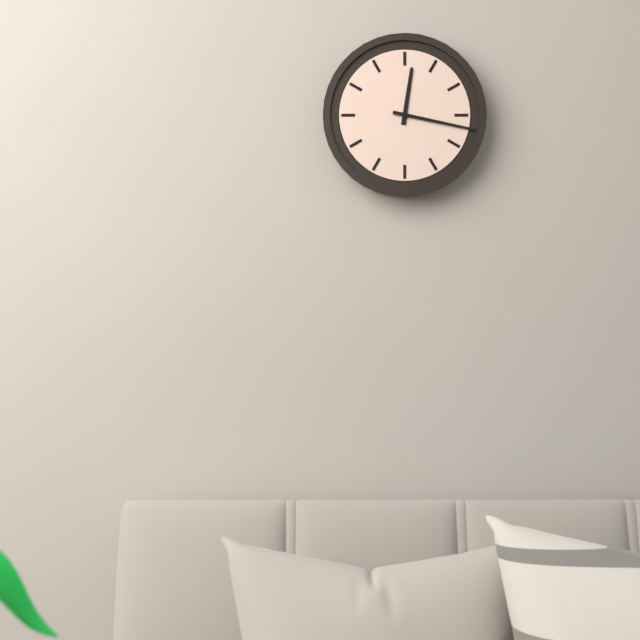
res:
h=12 m=17
